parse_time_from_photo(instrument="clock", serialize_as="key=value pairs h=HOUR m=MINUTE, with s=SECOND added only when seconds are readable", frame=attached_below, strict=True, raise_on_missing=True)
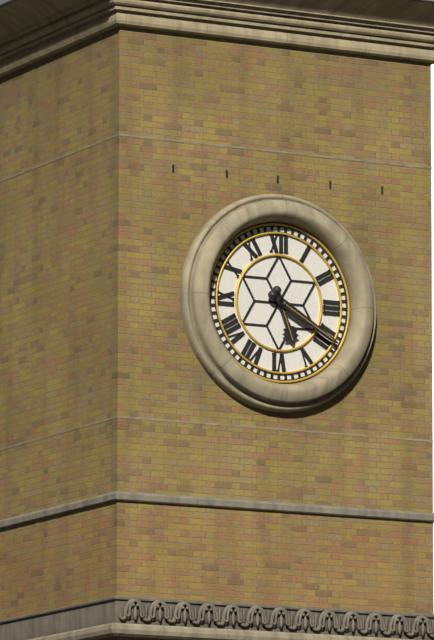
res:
h=5 m=20
